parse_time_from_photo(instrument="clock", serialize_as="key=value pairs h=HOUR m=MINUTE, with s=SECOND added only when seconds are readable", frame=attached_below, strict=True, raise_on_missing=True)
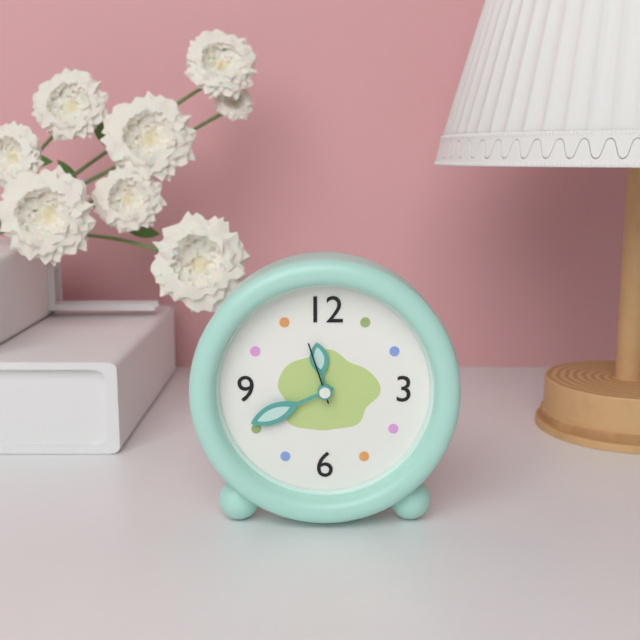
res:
h=11 m=41 s=57
